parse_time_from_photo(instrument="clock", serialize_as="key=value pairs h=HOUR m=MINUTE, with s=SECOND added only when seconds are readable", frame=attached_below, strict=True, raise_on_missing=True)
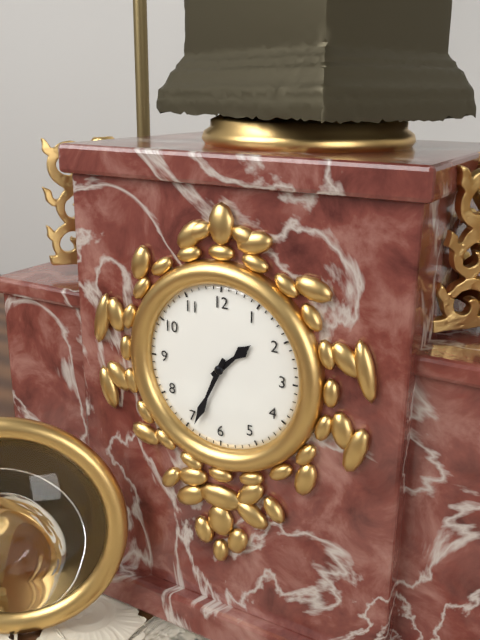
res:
h=1 m=34
